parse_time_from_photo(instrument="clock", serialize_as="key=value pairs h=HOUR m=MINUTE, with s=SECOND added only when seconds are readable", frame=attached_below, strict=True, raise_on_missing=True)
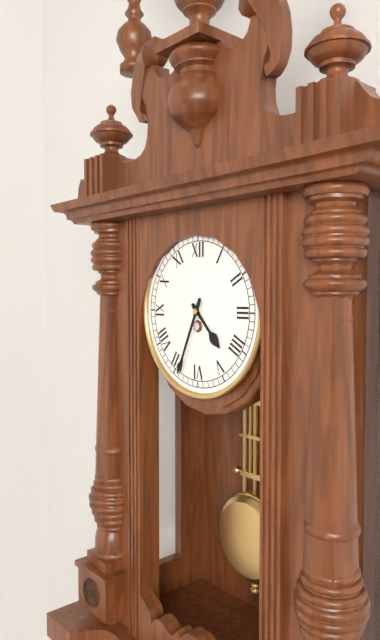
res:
h=4 m=34
